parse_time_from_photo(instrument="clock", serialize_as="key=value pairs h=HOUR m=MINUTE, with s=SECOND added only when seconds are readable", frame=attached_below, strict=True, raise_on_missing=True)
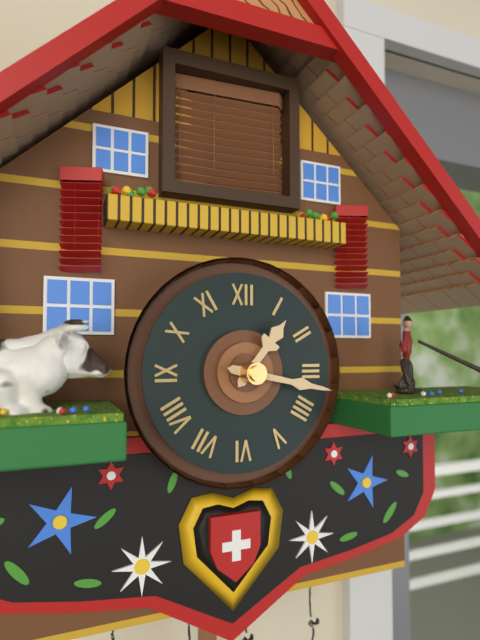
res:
h=1 m=17
